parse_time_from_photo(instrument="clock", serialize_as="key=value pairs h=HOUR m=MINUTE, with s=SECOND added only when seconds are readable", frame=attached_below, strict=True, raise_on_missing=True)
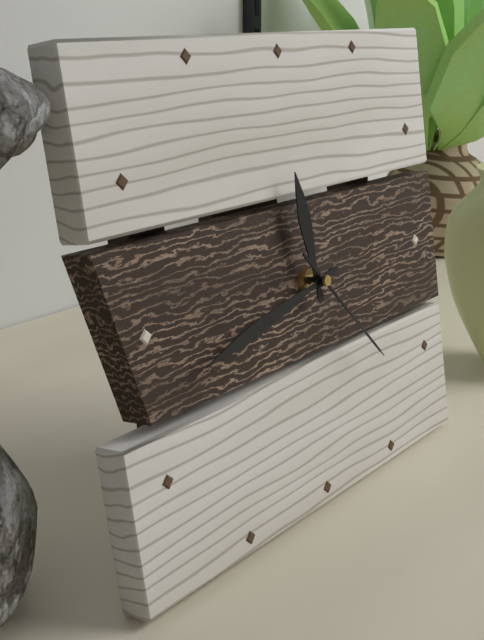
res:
h=11 m=43 s=23
